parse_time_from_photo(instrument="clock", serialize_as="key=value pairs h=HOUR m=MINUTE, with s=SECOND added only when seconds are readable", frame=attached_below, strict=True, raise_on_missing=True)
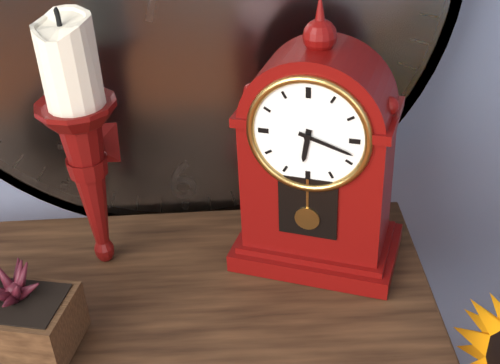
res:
h=6 m=18
